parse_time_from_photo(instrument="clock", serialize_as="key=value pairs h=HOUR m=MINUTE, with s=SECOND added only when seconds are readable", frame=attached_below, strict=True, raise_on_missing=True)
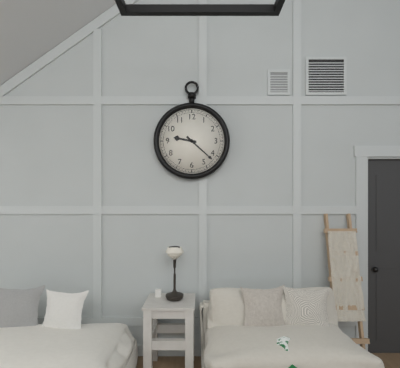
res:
h=9 m=22
